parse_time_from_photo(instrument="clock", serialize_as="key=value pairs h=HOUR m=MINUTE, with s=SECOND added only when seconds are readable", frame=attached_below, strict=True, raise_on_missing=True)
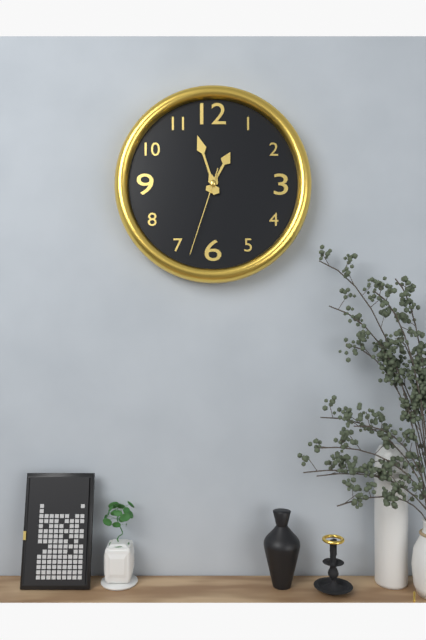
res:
h=12 m=57 s=33
